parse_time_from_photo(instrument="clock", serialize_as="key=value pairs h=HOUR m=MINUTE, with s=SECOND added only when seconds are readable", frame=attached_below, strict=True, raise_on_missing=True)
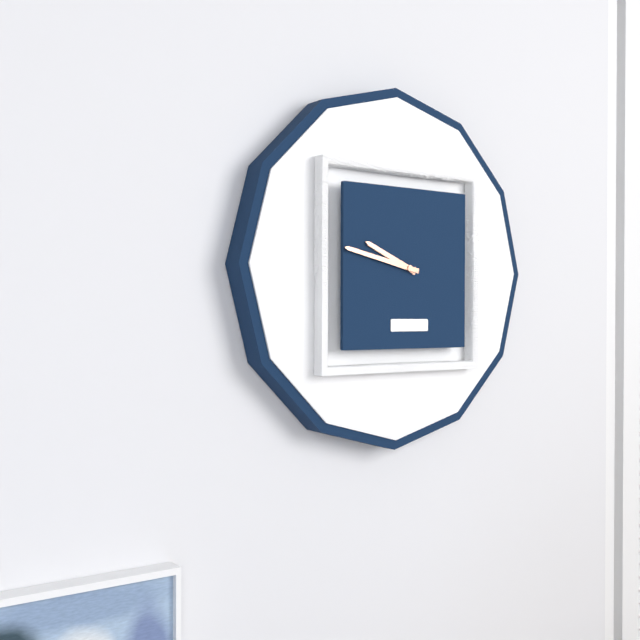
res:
h=9 m=47
